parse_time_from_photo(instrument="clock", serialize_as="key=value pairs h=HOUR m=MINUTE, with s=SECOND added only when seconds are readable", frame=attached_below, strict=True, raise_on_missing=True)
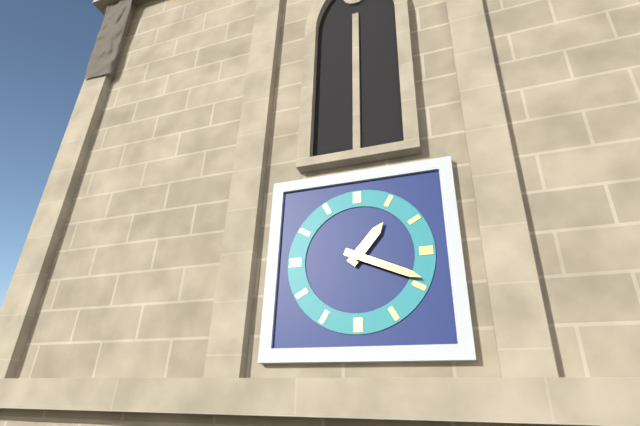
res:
h=1 m=19
